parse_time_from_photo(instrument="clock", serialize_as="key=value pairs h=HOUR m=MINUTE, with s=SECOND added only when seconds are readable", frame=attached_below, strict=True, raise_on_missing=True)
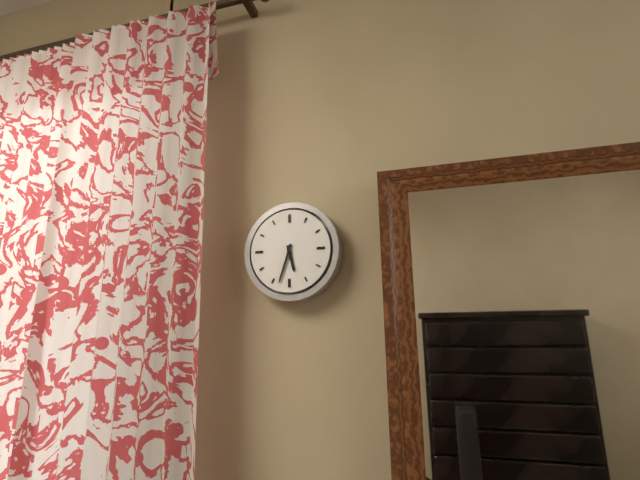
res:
h=5 m=33
